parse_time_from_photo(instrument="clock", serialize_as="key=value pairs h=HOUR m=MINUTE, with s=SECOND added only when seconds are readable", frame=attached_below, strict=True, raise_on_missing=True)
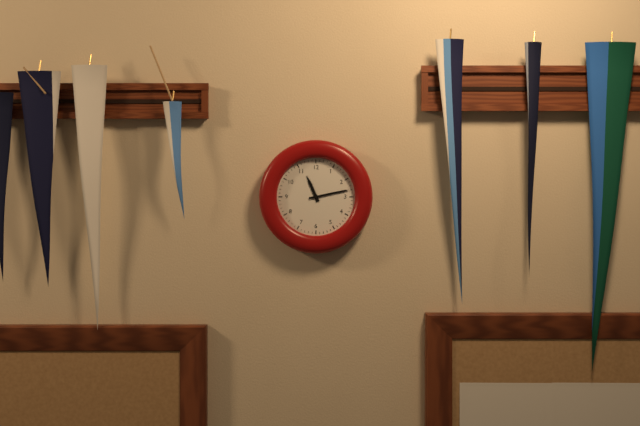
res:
h=11 m=13
